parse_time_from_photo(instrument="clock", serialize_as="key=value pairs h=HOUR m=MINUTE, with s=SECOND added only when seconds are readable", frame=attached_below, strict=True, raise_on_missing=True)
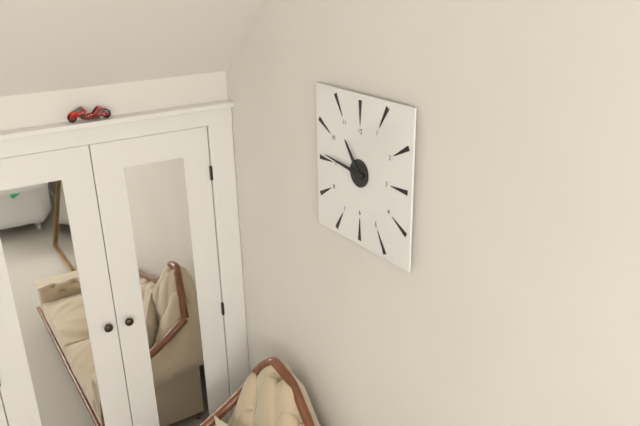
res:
h=10 m=46
